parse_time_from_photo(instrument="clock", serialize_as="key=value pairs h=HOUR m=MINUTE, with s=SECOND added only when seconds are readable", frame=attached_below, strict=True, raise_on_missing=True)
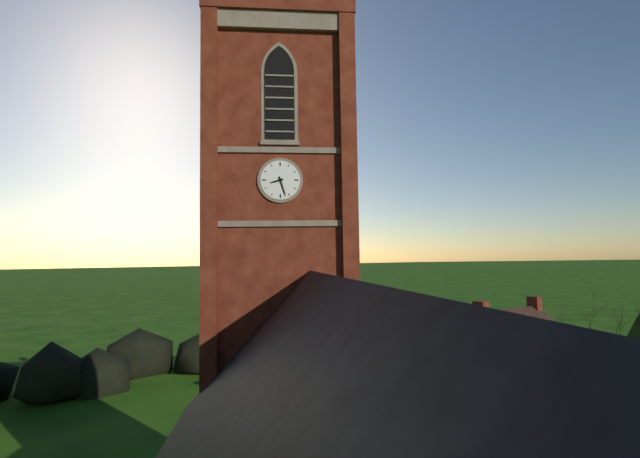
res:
h=8 m=27
